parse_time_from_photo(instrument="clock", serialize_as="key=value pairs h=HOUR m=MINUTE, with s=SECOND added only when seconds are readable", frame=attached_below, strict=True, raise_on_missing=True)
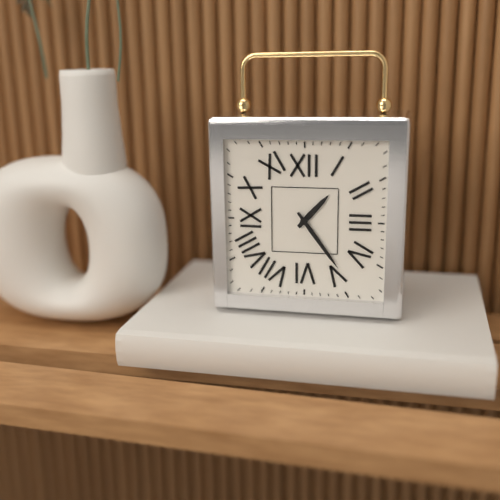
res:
h=1 m=24
